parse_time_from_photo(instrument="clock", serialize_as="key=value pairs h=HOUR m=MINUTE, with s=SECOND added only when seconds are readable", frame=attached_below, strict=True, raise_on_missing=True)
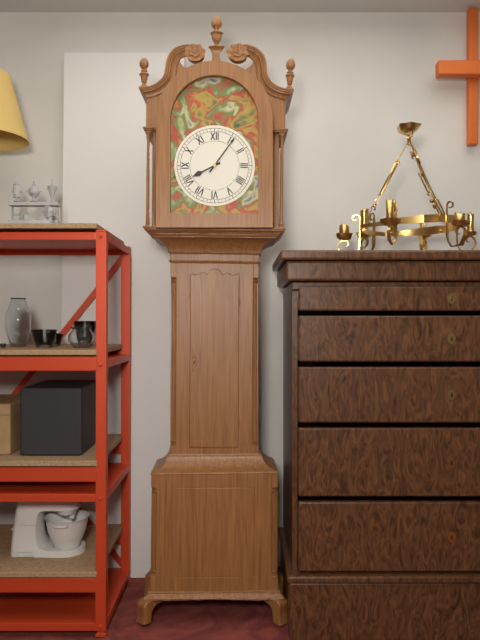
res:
h=8 m=6
